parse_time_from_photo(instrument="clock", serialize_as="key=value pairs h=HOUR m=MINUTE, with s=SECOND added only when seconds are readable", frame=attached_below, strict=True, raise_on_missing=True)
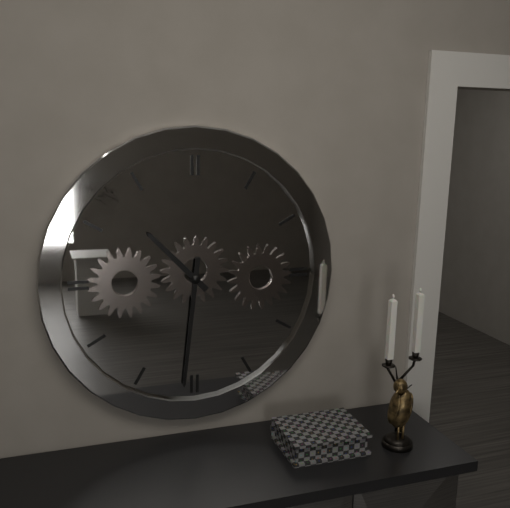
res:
h=10 m=31
